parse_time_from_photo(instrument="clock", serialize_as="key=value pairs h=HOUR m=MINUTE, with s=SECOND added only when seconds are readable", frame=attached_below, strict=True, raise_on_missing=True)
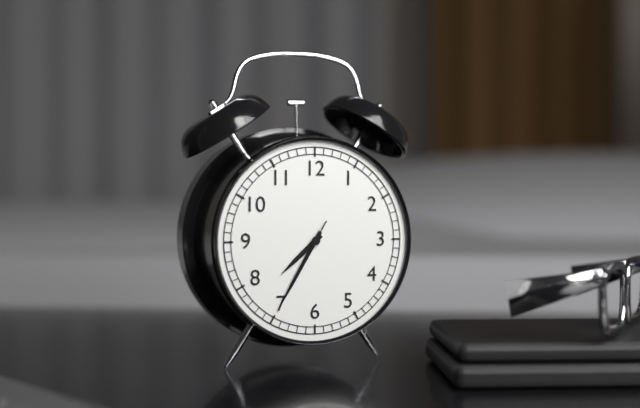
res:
h=7 m=35 s=35
